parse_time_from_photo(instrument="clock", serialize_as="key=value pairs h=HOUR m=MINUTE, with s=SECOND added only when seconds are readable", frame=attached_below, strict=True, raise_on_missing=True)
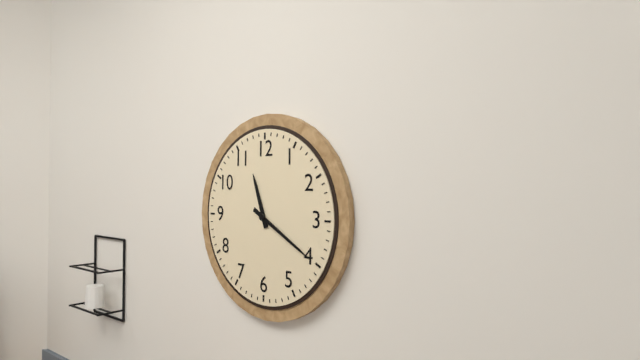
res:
h=11 m=20
